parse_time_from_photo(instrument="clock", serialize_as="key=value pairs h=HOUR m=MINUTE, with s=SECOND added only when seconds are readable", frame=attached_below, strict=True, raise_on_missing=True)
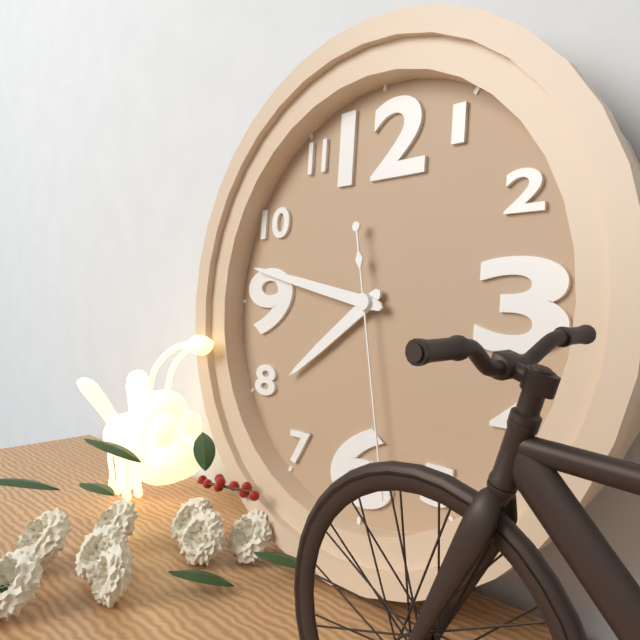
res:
h=7 m=47 s=28
